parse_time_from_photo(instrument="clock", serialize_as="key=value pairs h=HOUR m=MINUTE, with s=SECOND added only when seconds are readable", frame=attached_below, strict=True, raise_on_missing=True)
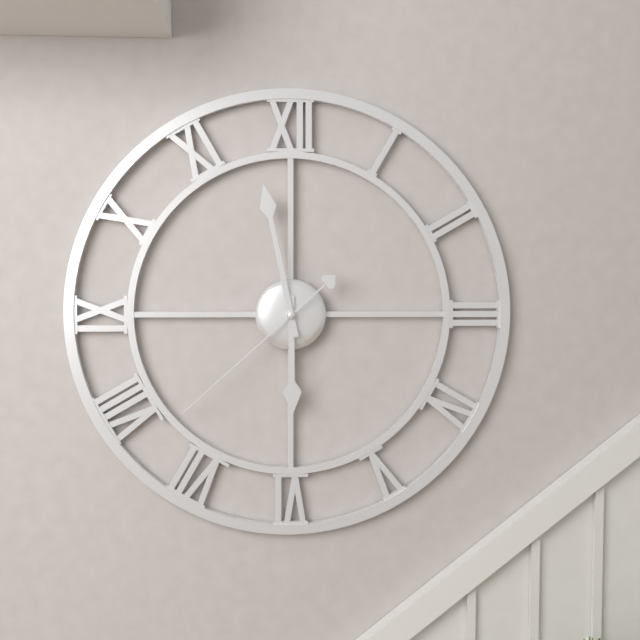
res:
h=5 m=58 s=38
